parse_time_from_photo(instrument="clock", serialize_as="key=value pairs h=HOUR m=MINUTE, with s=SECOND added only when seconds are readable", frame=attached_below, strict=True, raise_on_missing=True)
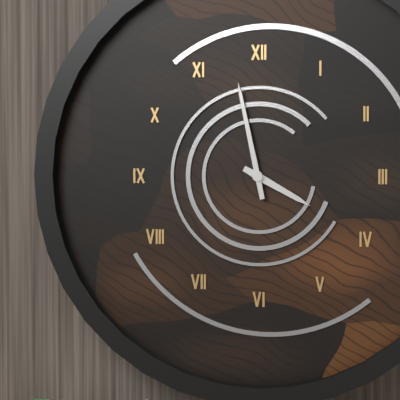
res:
h=3 m=58
